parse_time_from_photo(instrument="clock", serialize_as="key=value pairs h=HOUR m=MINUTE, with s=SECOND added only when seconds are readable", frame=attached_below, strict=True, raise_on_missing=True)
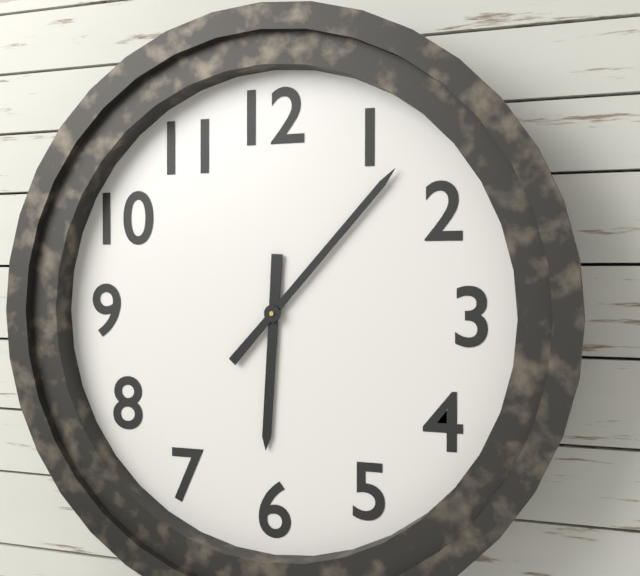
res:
h=6 m=7
